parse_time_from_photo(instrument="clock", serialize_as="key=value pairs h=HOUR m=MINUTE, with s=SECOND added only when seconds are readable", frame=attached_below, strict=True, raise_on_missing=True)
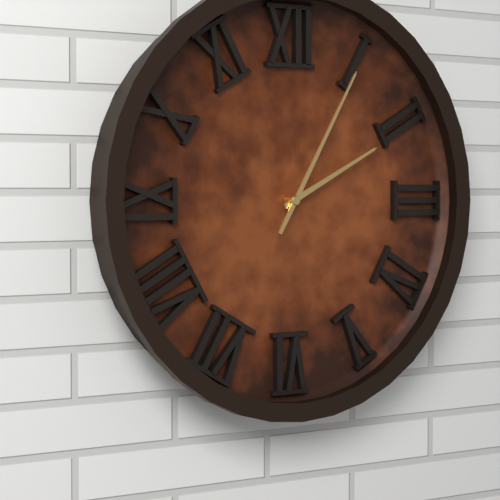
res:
h=2 m=5
